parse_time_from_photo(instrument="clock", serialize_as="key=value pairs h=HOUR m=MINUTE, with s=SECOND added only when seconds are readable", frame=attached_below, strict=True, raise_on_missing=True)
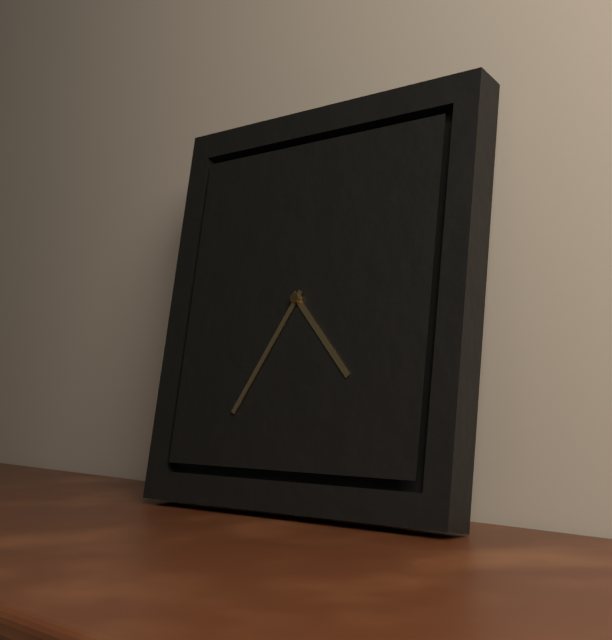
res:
h=4 m=35
